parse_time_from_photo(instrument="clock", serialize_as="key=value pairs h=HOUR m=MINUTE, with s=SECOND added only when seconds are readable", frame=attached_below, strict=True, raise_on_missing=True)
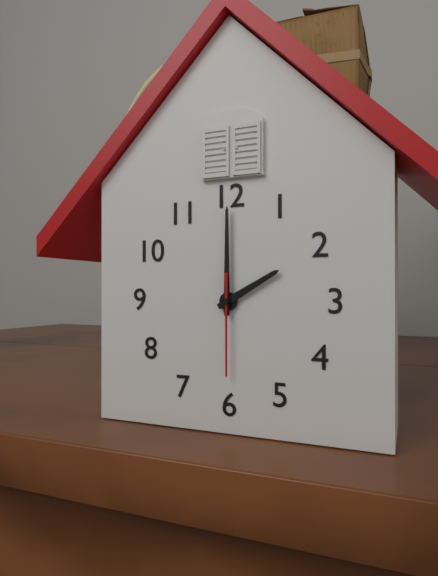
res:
h=2 m=0 s=30
